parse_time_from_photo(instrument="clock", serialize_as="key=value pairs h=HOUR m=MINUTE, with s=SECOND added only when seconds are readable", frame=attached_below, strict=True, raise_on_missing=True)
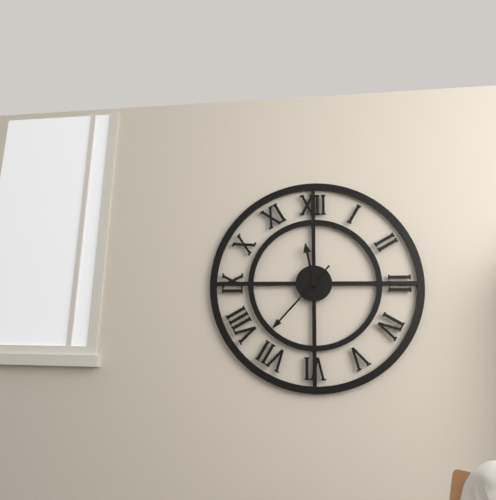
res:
h=11 m=37
